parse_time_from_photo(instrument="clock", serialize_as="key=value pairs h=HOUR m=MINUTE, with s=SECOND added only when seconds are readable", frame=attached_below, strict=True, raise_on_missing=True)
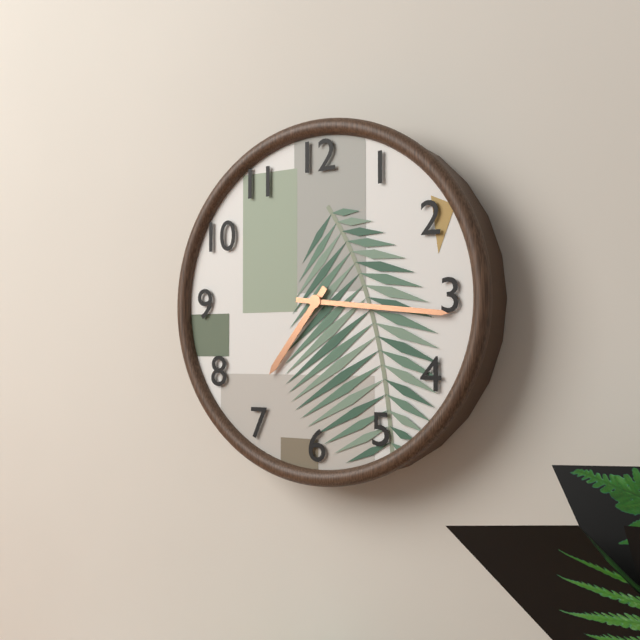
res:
h=7 m=16
